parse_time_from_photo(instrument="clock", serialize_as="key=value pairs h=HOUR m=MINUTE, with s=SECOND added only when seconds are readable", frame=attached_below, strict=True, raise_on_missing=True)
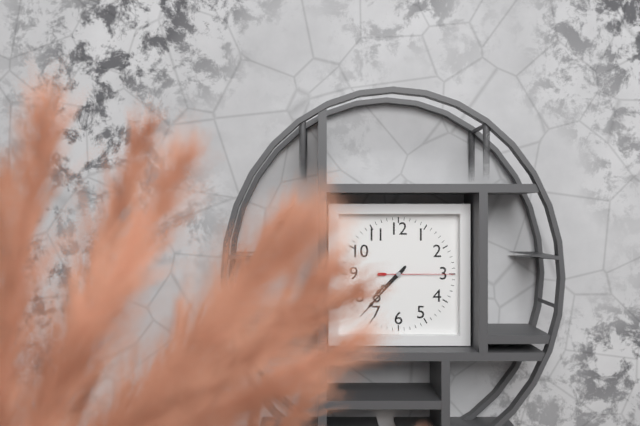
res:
h=7 m=37 s=15
